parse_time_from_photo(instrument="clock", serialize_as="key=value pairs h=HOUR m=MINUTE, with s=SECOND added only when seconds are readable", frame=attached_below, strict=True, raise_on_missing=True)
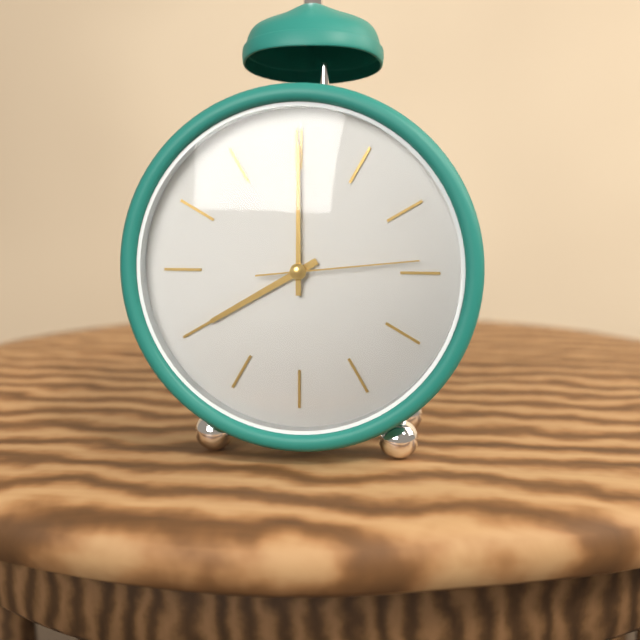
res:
h=8 m=0 s=14
